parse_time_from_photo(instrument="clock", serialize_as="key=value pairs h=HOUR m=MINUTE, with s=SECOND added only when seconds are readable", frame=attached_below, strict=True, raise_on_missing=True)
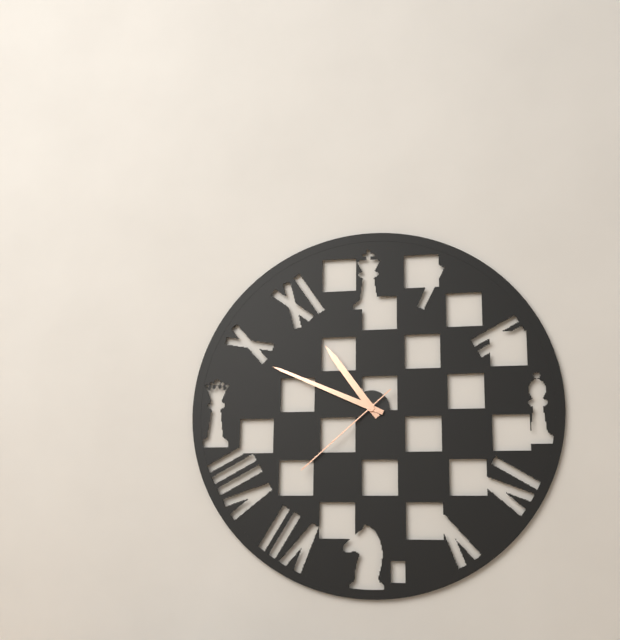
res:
h=10 m=49 s=38
